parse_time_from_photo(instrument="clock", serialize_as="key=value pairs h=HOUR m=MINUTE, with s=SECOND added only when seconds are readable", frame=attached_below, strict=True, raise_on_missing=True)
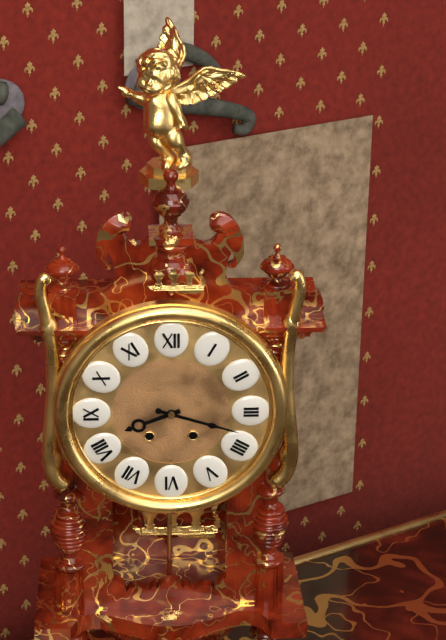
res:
h=8 m=18
